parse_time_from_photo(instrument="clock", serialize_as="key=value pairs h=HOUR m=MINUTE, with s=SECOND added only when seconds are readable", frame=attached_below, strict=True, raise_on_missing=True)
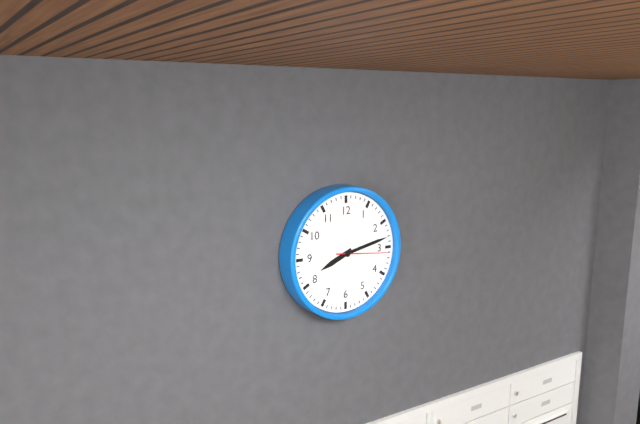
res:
h=8 m=13 s=16
